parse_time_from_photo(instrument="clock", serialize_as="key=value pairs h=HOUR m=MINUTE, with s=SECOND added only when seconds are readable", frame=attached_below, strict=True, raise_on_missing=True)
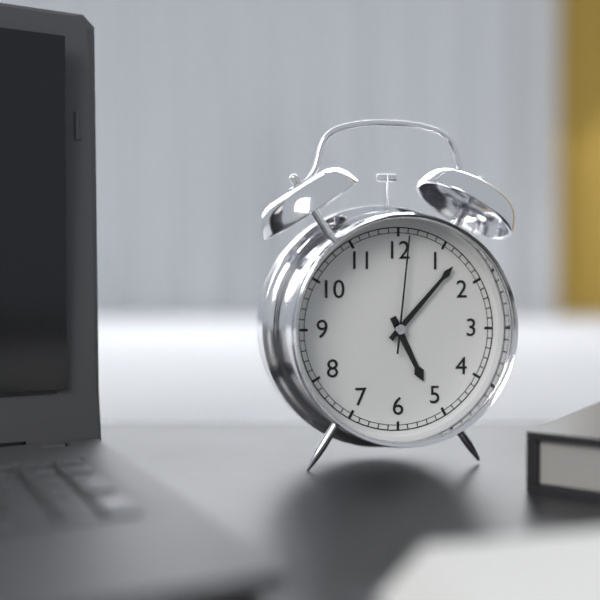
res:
h=5 m=7 s=1
